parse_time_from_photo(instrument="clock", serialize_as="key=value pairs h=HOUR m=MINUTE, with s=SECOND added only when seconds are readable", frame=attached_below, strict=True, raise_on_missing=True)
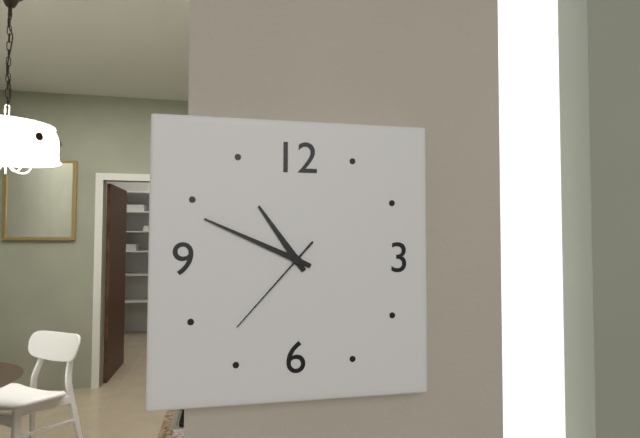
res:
h=10 m=49 s=37
